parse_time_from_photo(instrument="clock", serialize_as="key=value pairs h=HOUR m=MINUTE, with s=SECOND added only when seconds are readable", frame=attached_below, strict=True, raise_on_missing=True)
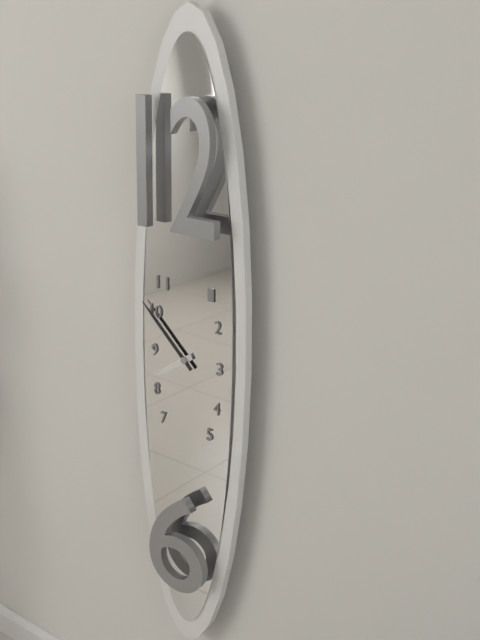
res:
h=7 m=52
